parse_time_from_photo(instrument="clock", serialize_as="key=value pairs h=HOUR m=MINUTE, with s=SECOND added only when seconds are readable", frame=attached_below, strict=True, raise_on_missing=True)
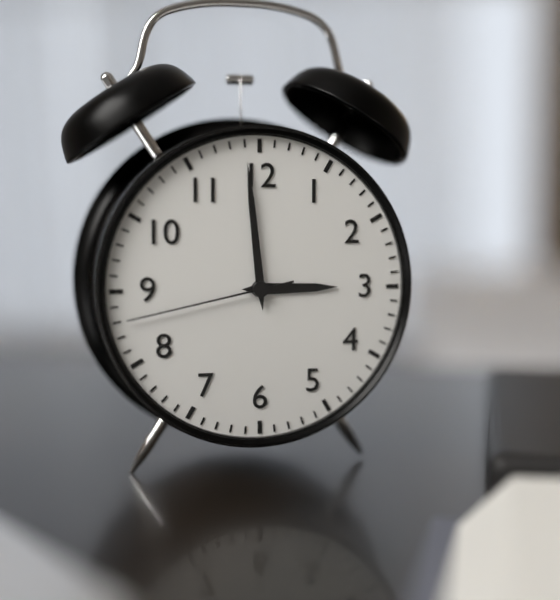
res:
h=2 m=59 s=43
